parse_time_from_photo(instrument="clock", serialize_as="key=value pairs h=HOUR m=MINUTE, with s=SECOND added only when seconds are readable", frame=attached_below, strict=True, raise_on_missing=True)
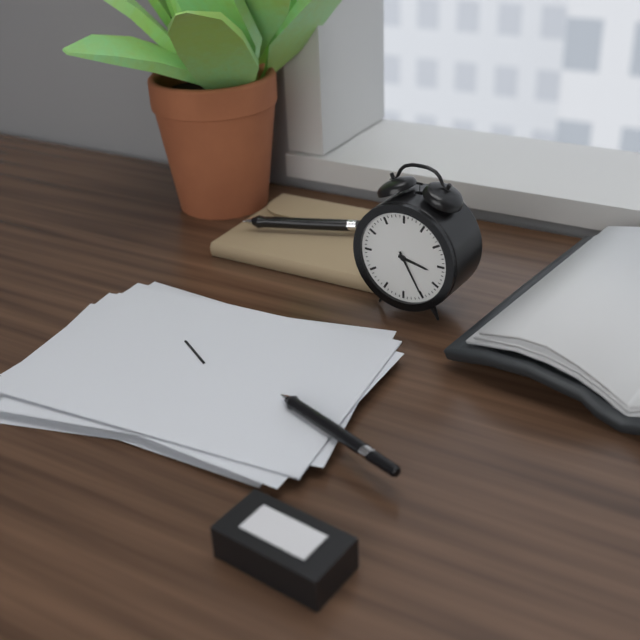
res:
h=3 m=25
